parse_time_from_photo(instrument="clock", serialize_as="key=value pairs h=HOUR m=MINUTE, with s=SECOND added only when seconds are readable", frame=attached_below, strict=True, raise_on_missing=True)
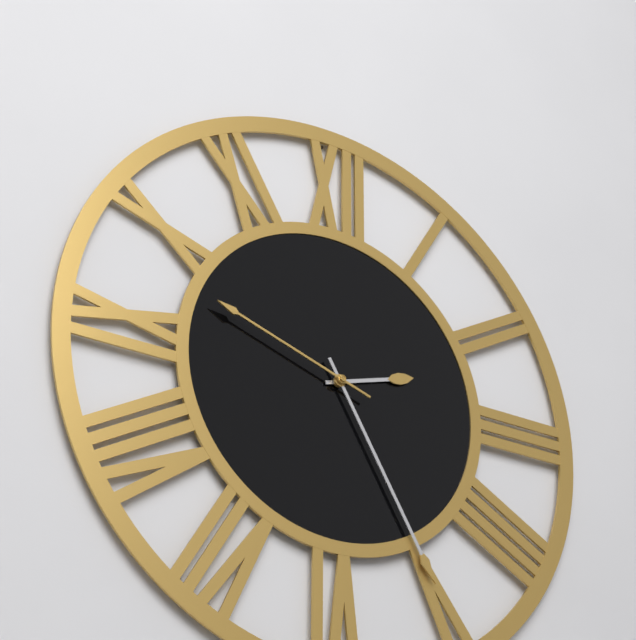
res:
h=2 m=25 s=48
